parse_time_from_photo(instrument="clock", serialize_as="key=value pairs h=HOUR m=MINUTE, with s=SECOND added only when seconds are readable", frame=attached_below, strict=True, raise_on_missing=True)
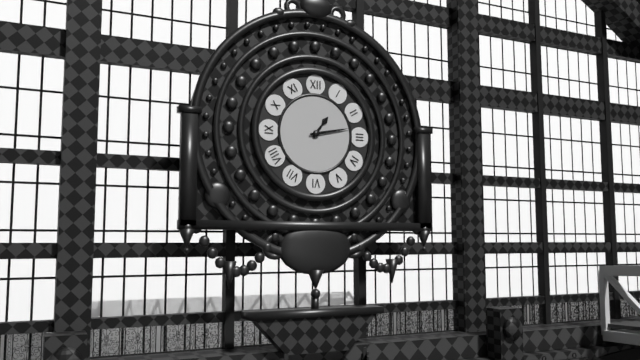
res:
h=1 m=13
